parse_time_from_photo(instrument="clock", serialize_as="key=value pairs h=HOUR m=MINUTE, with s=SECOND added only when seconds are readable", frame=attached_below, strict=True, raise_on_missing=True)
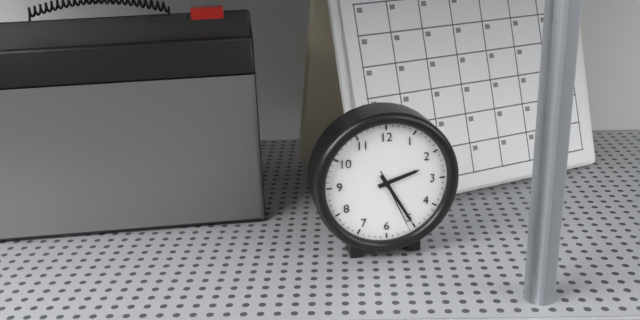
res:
h=2 m=25 s=26
